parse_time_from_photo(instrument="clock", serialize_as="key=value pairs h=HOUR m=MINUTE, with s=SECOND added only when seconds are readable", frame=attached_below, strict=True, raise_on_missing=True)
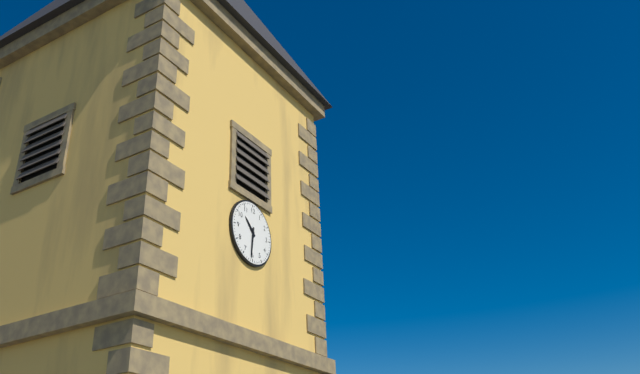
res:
h=10 m=31
